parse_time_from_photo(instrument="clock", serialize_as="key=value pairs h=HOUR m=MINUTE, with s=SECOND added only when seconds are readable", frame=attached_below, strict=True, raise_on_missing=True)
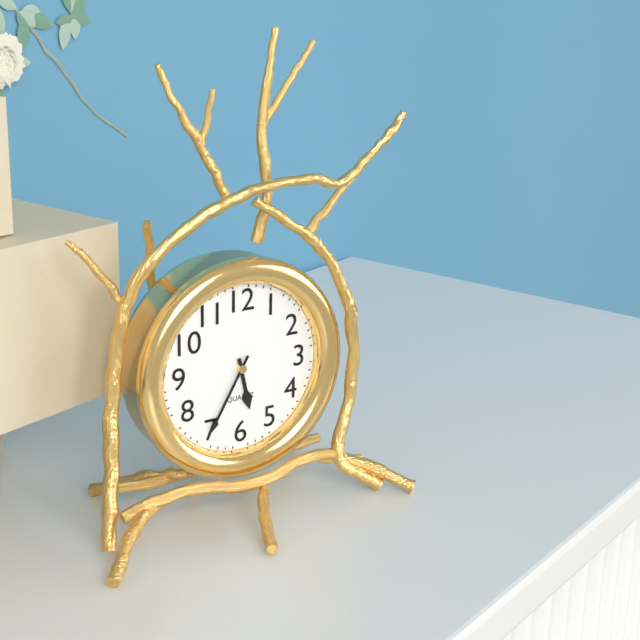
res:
h=5 m=35
